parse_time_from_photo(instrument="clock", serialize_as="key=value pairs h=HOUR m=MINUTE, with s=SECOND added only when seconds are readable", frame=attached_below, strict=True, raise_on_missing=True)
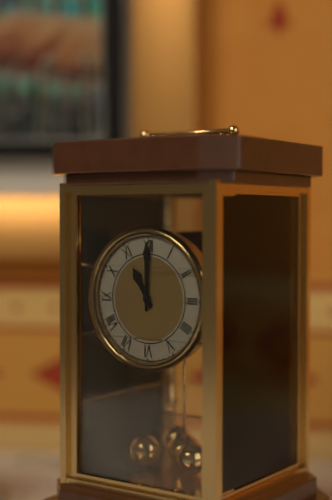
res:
h=11 m=0
